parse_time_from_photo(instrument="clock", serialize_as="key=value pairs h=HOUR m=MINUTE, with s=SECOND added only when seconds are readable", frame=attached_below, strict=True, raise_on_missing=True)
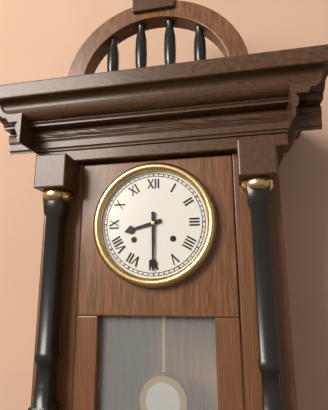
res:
h=8 m=30
